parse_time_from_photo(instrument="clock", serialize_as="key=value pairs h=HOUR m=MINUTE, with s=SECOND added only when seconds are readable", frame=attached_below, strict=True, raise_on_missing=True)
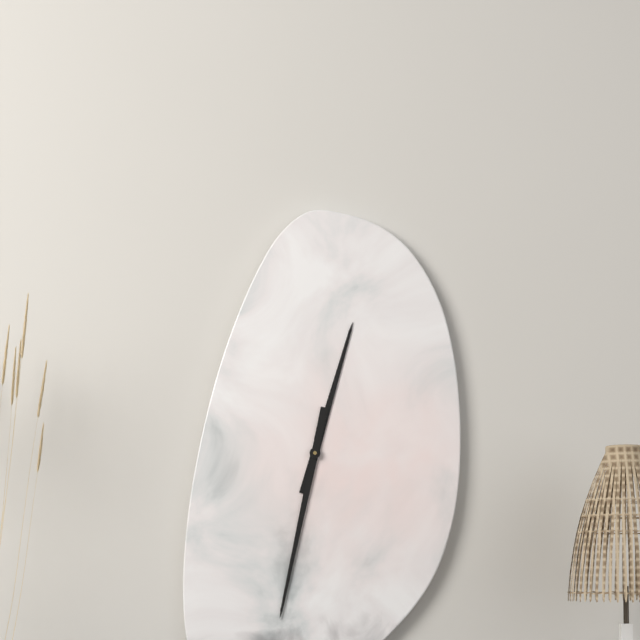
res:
h=12 m=32
